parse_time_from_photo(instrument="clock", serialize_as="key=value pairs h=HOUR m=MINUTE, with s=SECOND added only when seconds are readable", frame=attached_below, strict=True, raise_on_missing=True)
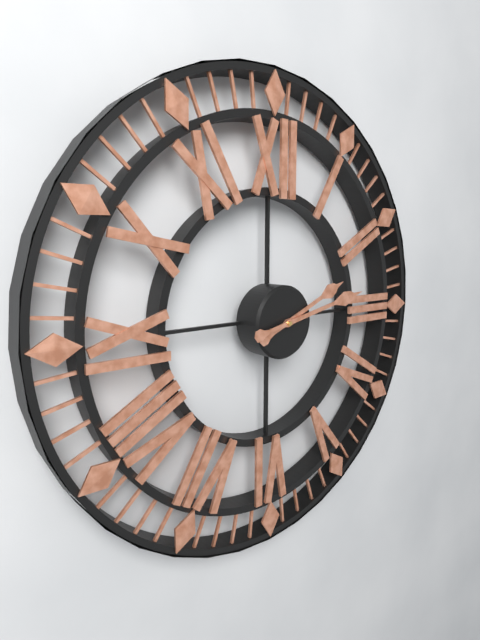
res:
h=2 m=13
